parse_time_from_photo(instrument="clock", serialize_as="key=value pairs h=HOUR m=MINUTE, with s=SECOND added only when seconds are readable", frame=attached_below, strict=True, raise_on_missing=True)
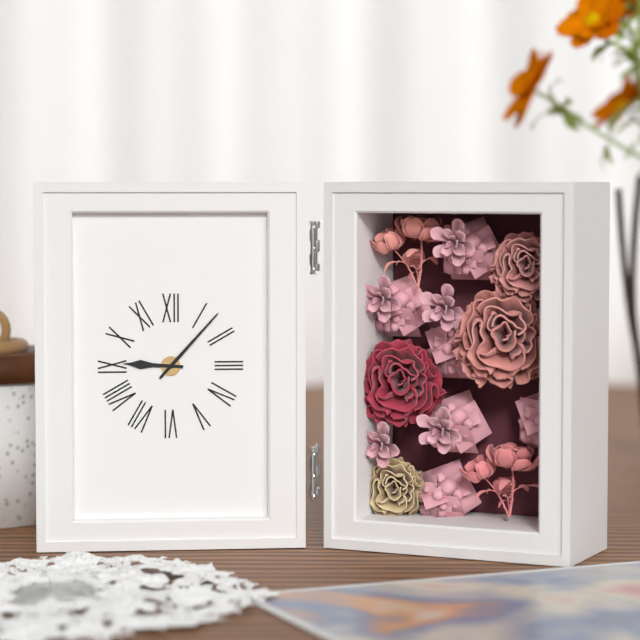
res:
h=9 m=7
